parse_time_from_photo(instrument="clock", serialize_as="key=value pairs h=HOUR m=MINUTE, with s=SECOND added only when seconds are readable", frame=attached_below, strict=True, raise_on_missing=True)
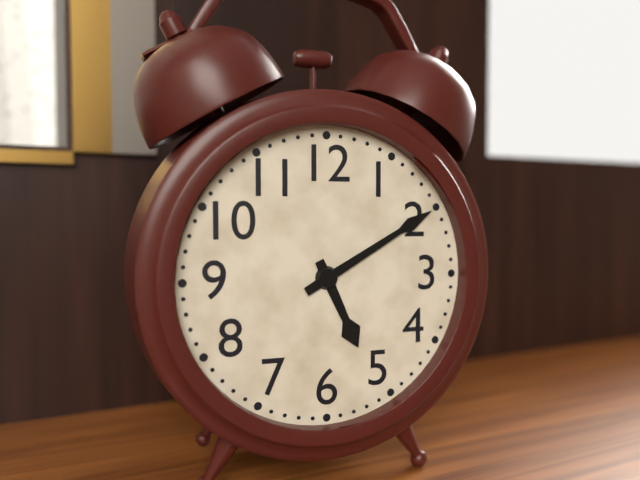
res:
h=5 m=10
